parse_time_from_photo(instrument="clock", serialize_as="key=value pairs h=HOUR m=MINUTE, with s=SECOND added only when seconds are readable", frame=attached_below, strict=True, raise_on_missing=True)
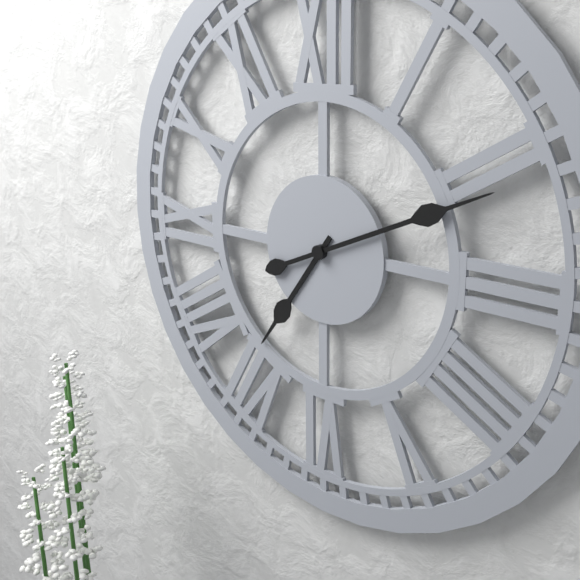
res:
h=7 m=11
